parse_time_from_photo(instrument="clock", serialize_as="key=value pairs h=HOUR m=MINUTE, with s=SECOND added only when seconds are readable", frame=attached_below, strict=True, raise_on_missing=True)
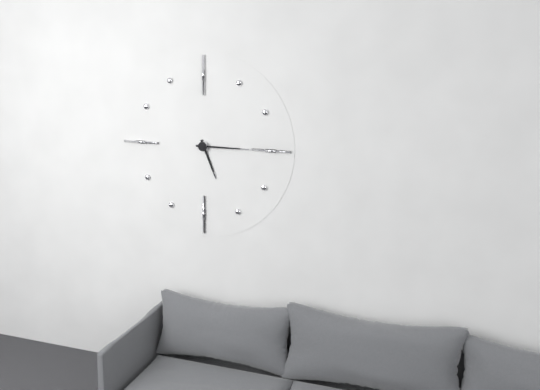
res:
h=5 m=15
